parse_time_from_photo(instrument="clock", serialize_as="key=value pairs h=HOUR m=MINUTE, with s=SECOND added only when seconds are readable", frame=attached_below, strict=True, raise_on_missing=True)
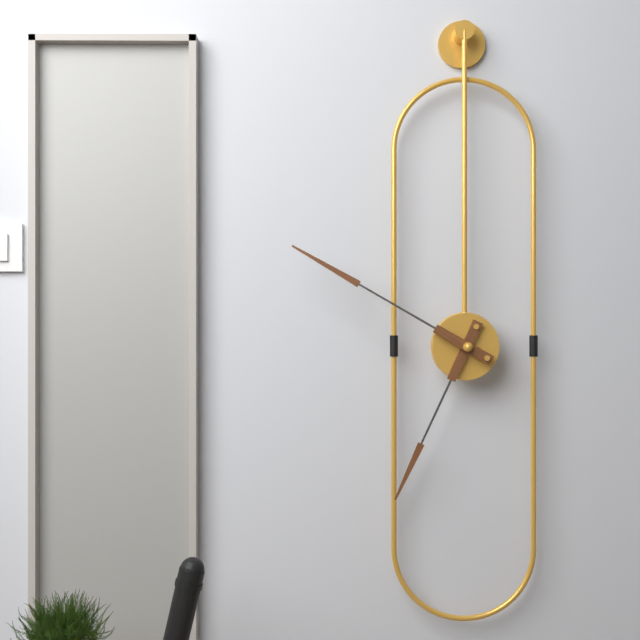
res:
h=6 m=50
